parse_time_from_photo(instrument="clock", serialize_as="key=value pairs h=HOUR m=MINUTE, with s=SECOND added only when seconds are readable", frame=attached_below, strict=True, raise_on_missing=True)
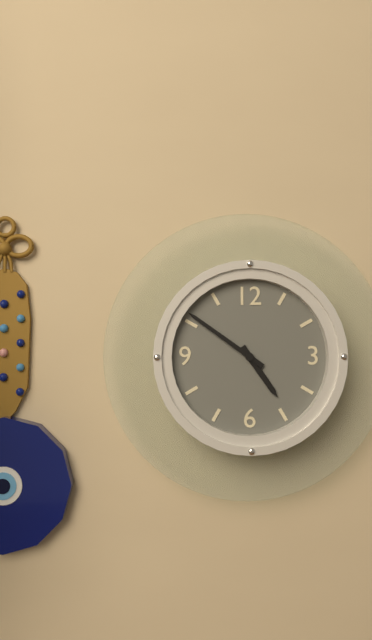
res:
h=4 m=51
